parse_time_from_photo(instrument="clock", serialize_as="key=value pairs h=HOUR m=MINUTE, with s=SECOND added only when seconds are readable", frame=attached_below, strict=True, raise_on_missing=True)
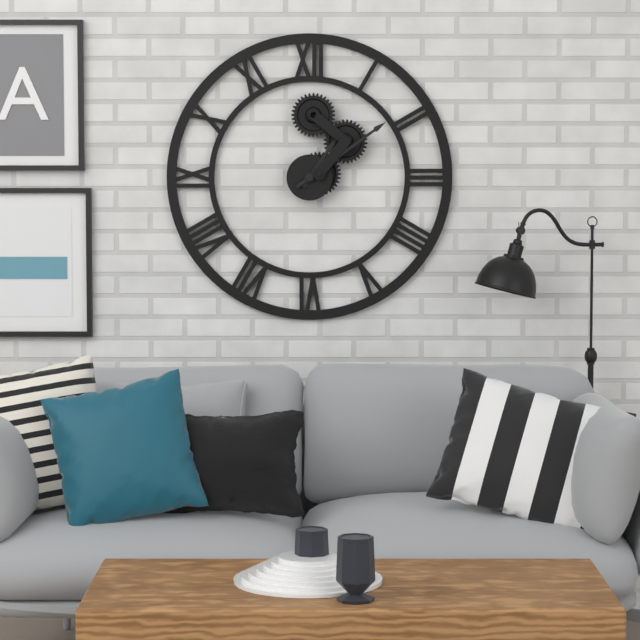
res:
h=1 m=9
